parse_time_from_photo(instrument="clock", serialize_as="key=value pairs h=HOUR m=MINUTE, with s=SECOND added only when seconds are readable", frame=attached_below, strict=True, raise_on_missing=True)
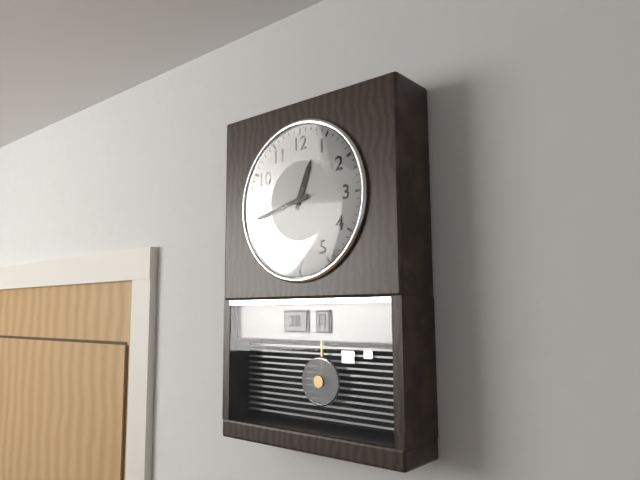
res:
h=12 m=43
